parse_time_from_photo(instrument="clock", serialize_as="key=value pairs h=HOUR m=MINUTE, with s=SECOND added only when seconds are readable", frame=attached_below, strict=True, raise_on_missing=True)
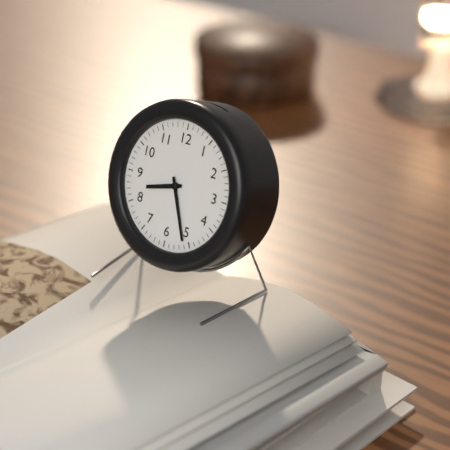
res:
h=8 m=26
